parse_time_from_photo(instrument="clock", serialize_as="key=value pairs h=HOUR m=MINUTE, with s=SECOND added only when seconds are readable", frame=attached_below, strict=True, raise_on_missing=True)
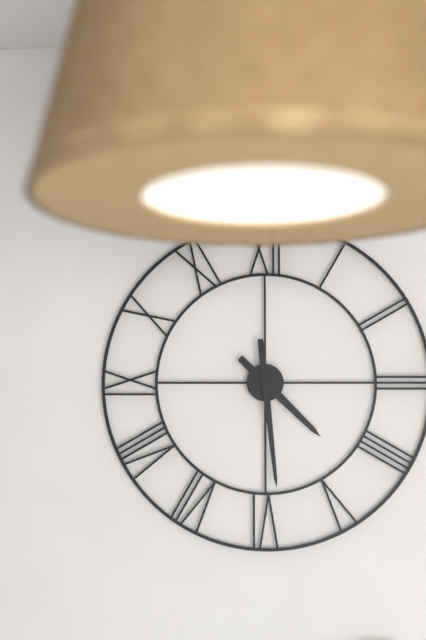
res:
h=4 m=29
